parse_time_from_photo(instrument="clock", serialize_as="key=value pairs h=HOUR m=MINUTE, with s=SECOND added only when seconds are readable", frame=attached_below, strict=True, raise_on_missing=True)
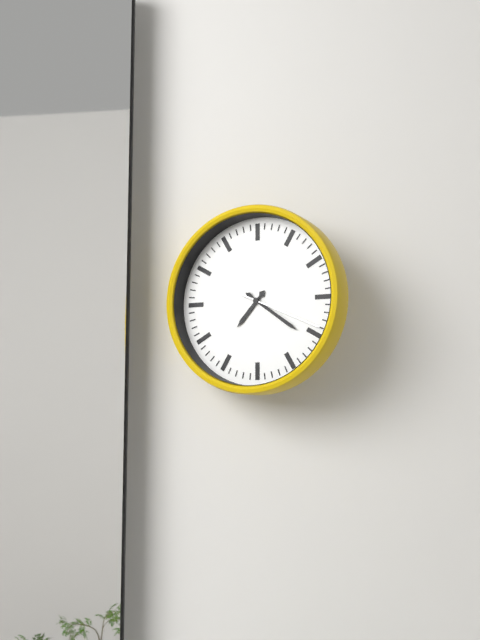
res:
h=7 m=21 s=19
